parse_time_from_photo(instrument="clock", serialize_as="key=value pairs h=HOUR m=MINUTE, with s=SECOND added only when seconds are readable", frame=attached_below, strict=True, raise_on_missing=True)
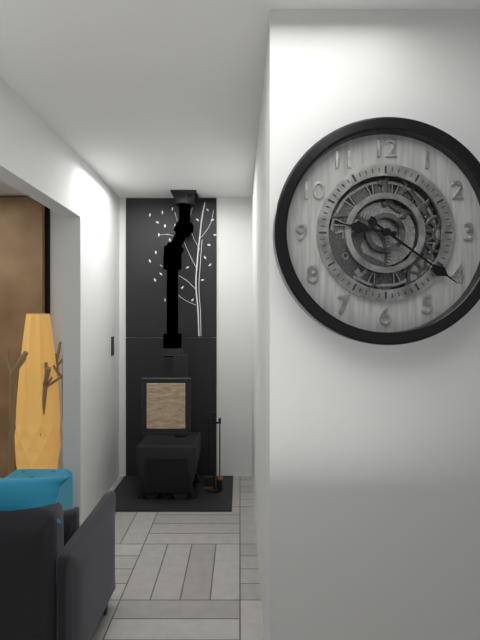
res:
h=9 m=21
